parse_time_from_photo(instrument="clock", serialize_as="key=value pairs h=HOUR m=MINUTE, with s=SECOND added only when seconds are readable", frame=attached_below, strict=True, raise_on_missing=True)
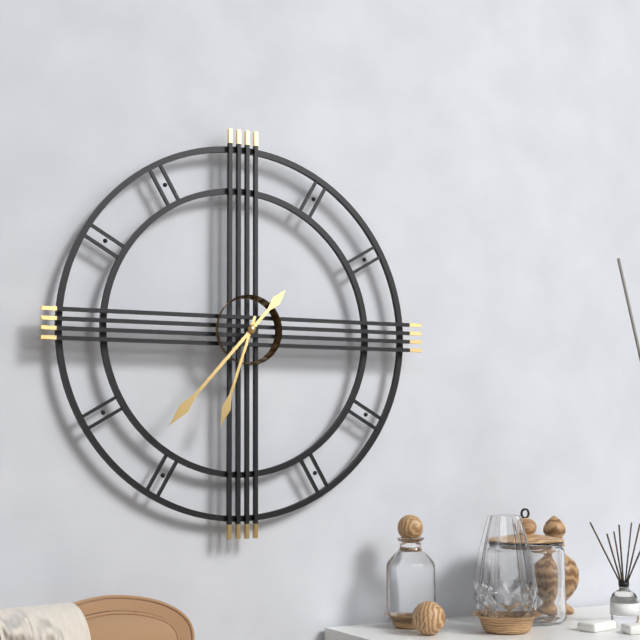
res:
h=6 m=37
